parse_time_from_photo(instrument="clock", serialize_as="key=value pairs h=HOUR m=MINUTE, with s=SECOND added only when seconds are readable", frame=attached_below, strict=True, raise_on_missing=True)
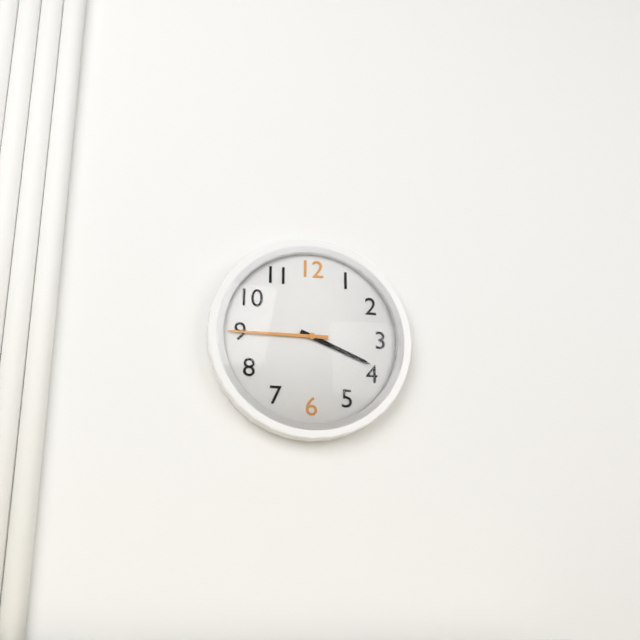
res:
h=3 m=45
